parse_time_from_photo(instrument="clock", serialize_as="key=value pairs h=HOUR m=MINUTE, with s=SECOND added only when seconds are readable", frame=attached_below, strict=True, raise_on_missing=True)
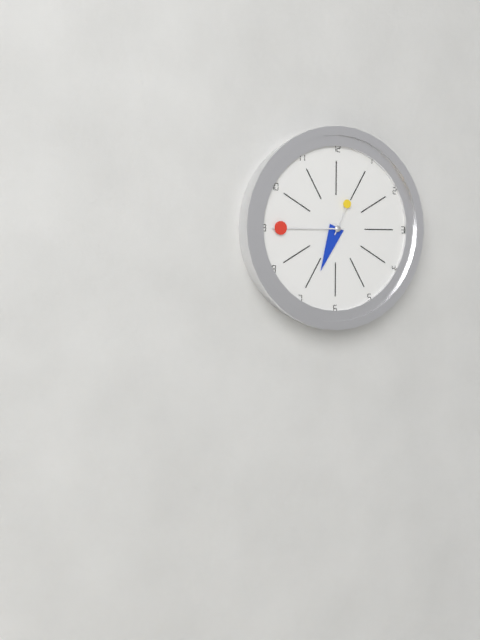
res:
h=6 m=45 s=4
